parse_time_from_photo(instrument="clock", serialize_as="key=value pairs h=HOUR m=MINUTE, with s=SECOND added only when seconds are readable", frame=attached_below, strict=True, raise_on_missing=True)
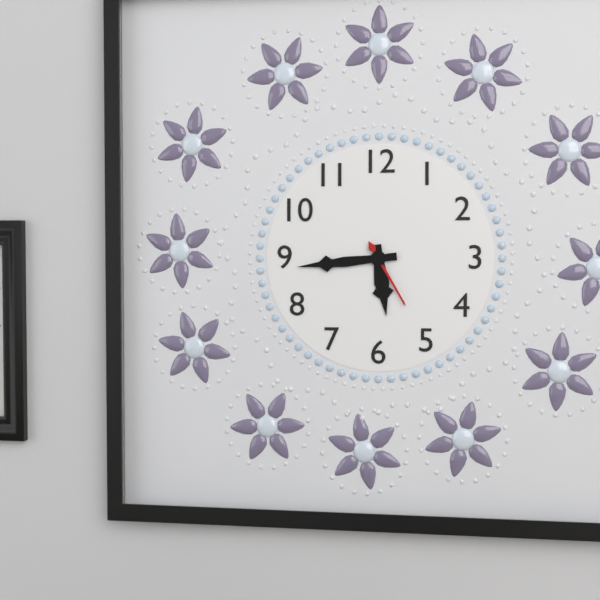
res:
h=5 m=44 s=25
